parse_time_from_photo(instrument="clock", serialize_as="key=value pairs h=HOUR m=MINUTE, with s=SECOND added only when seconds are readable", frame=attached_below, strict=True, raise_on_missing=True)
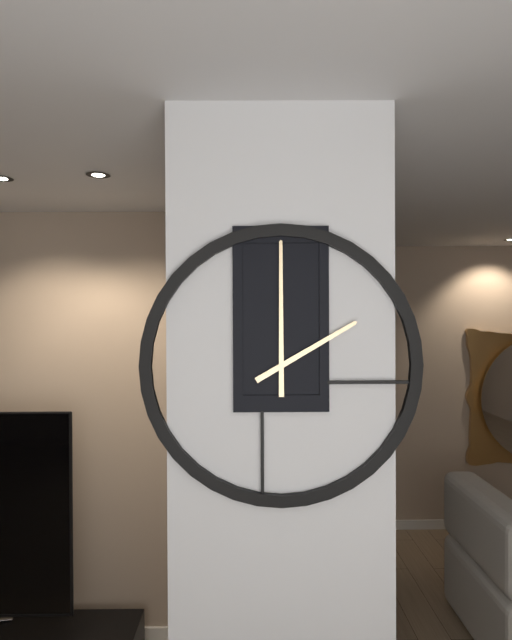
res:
h=2 m=0
